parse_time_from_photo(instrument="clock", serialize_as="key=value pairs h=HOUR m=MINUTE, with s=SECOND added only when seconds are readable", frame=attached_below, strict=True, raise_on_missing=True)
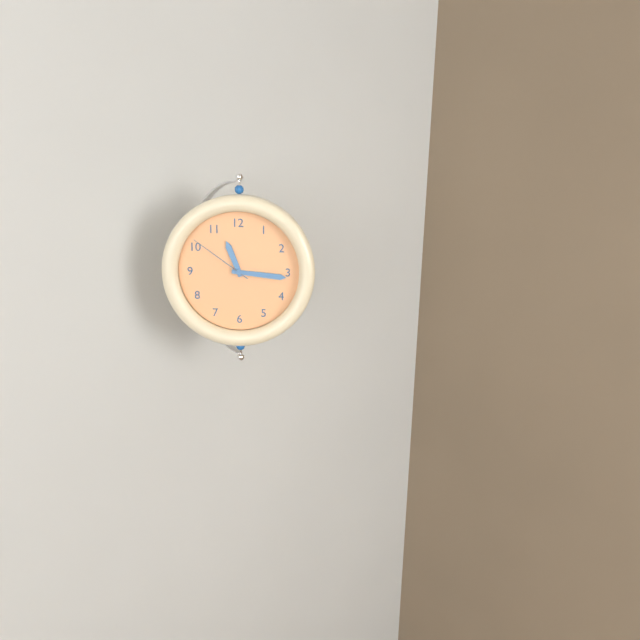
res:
h=11 m=16 s=51
